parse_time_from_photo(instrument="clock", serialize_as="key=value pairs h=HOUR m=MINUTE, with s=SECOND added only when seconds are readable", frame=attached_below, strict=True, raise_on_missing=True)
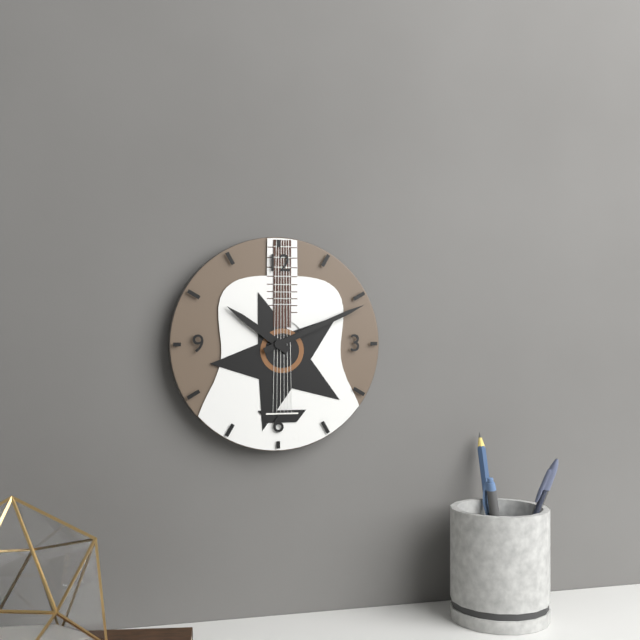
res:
h=10 m=11
